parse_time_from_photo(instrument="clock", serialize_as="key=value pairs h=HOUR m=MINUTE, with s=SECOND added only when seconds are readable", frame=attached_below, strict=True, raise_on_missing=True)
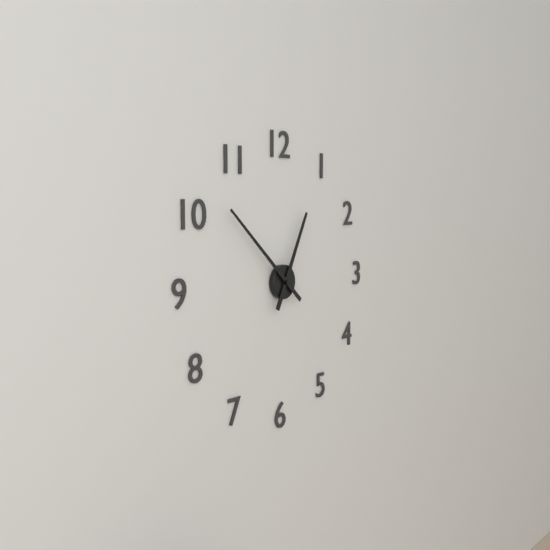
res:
h=12 m=52
